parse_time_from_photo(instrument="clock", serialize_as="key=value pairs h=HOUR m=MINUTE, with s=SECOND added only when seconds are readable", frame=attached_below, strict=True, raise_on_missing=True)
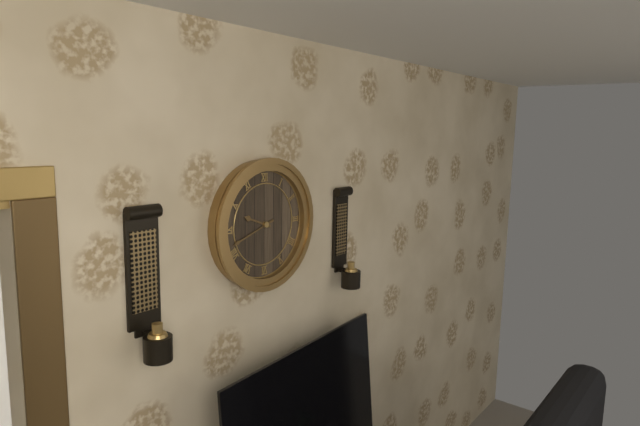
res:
h=9 m=42
